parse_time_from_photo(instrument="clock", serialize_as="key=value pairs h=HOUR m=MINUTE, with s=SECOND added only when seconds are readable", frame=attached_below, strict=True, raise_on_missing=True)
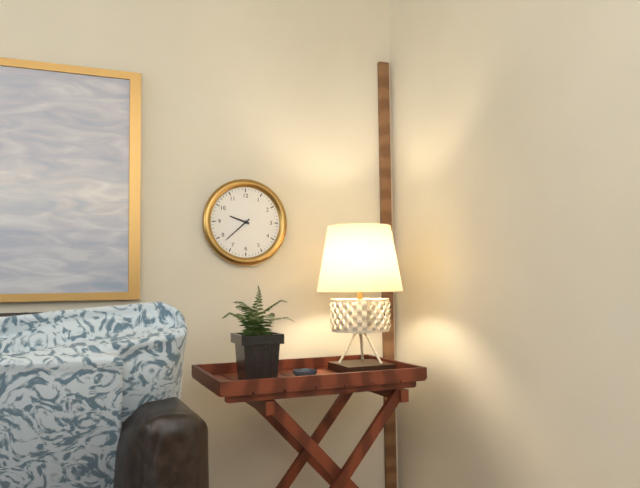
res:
h=9 m=38
